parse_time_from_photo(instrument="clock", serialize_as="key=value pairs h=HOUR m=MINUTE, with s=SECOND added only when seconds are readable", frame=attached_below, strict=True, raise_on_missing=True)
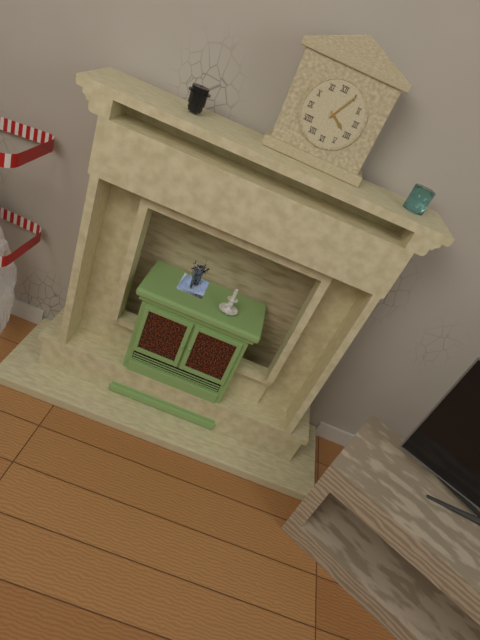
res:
h=4 m=5
